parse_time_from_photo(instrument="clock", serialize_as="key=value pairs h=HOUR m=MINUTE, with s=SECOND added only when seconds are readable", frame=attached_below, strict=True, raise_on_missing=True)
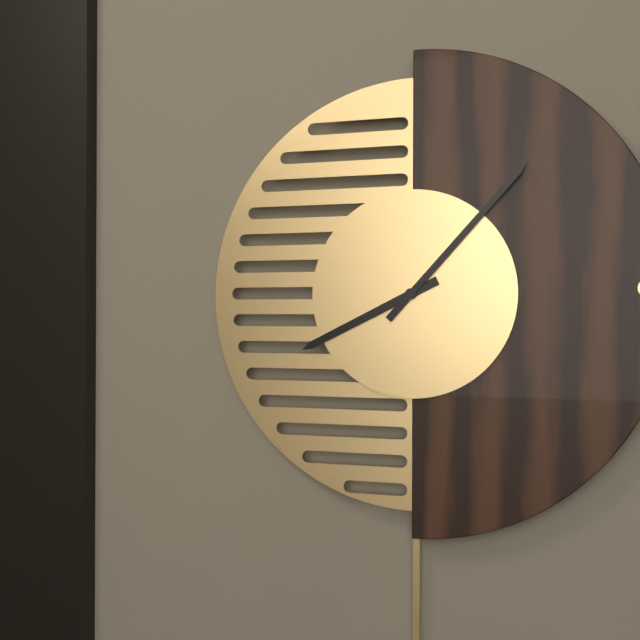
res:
h=8 m=7
